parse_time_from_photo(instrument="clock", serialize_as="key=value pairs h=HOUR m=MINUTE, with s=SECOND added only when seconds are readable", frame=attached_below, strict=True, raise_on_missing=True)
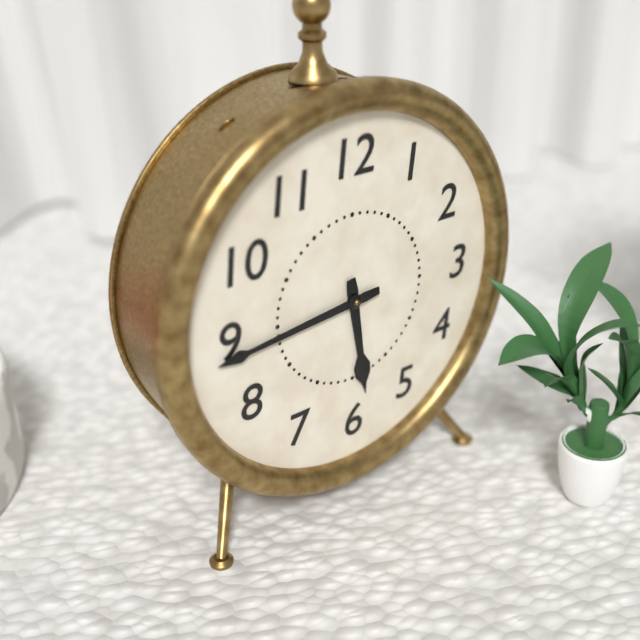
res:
h=5 m=44
